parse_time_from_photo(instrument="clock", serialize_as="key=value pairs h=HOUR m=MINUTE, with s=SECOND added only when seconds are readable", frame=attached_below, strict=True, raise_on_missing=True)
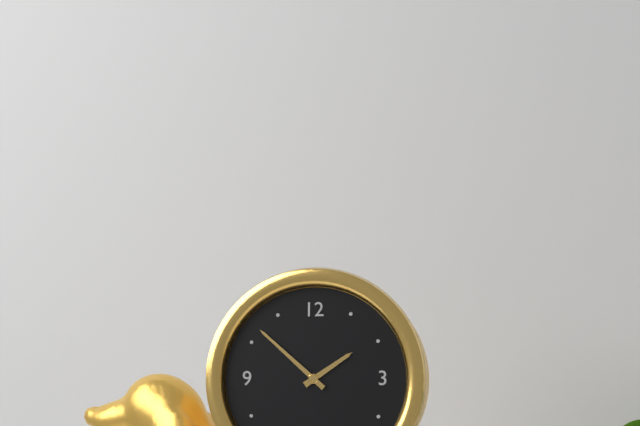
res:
h=1 m=52
